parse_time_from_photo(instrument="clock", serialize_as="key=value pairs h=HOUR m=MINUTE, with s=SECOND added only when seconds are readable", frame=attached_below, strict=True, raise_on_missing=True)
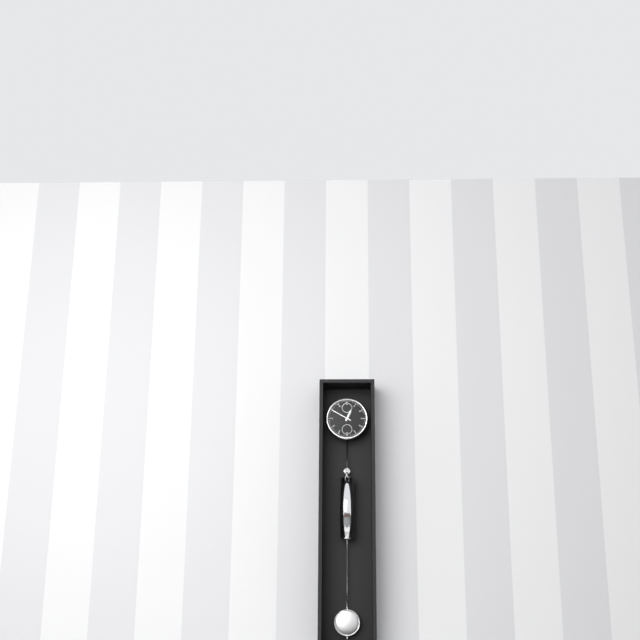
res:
h=12 m=50
